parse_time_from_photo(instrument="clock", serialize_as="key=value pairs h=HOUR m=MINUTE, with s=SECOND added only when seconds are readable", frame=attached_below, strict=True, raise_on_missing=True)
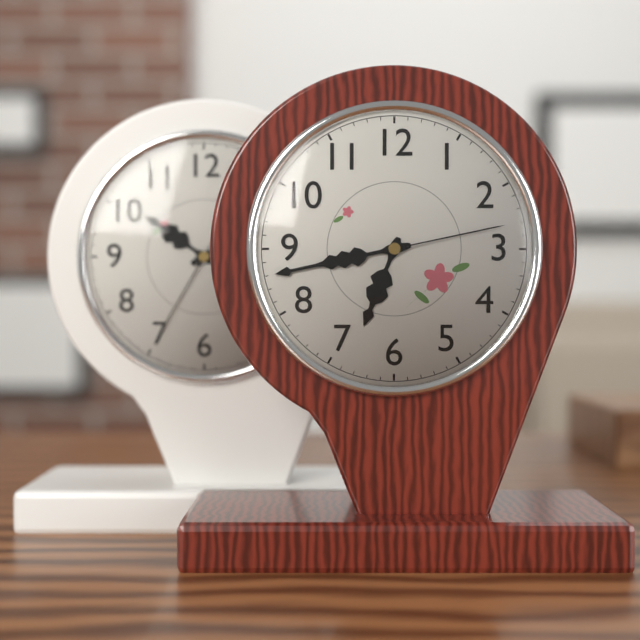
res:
h=6 m=43 s=13
